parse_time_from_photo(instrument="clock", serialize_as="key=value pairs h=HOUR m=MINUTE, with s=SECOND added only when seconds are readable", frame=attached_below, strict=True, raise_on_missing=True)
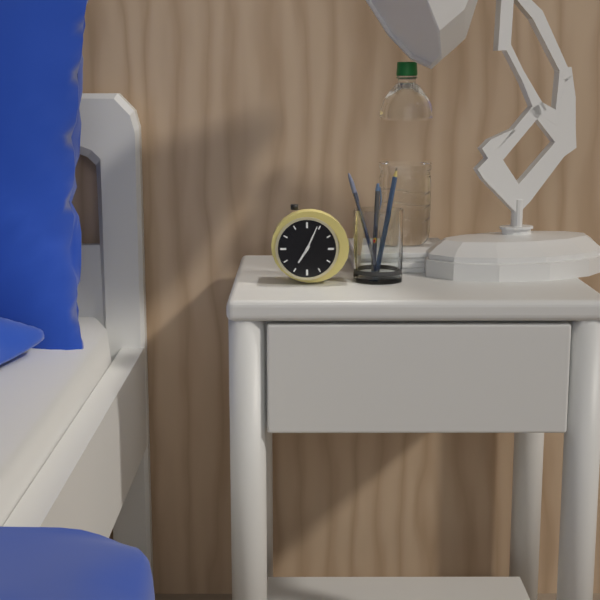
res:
h=7 m=4
